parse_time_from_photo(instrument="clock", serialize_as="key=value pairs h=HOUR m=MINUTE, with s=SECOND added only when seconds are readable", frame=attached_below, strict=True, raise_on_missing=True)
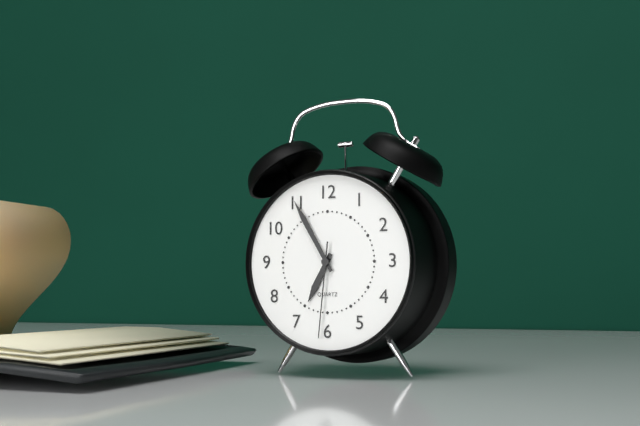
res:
h=6 m=55 s=31
